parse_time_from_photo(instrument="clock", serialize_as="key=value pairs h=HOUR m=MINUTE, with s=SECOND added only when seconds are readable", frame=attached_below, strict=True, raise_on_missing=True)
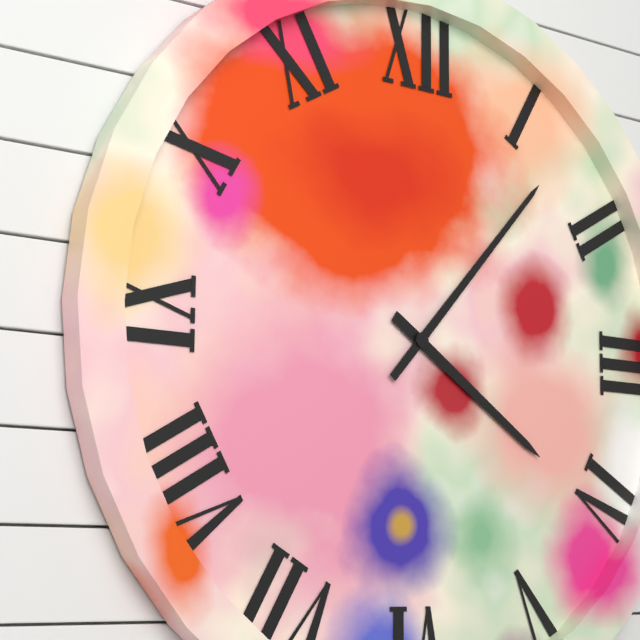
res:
h=4 m=7
